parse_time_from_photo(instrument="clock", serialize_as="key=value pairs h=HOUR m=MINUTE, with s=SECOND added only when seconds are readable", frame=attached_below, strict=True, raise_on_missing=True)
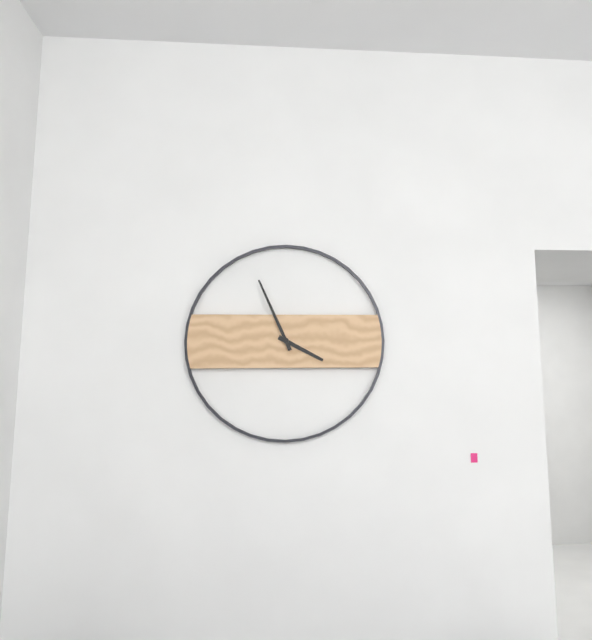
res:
h=3 m=56
